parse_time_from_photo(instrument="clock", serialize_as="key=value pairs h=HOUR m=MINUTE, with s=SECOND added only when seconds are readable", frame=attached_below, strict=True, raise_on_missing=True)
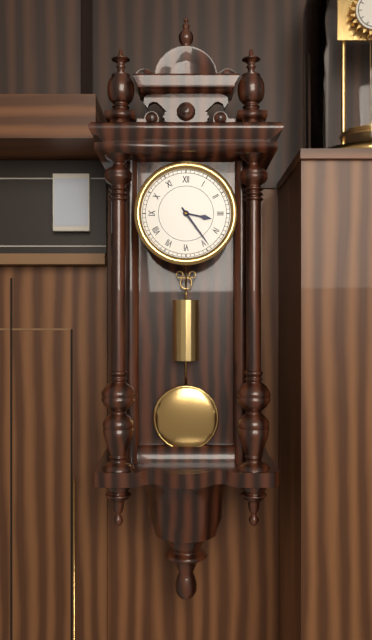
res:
h=3 m=24
